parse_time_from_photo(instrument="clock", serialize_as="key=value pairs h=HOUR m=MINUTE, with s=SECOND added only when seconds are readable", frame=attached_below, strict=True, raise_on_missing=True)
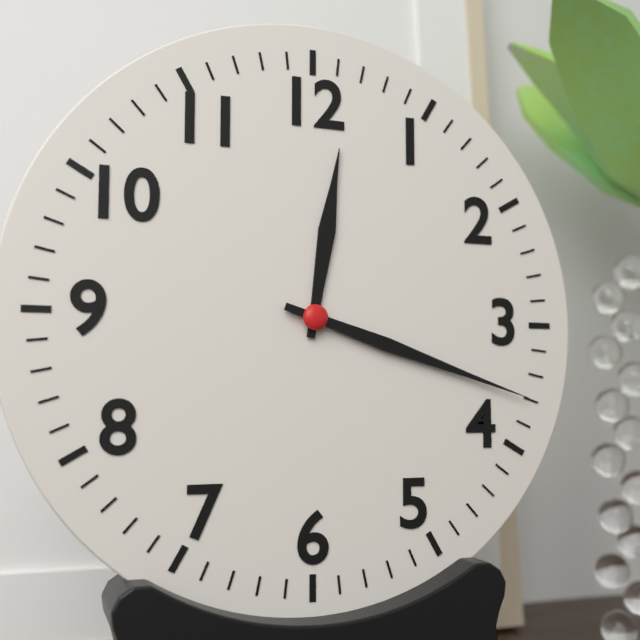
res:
h=12 m=18
